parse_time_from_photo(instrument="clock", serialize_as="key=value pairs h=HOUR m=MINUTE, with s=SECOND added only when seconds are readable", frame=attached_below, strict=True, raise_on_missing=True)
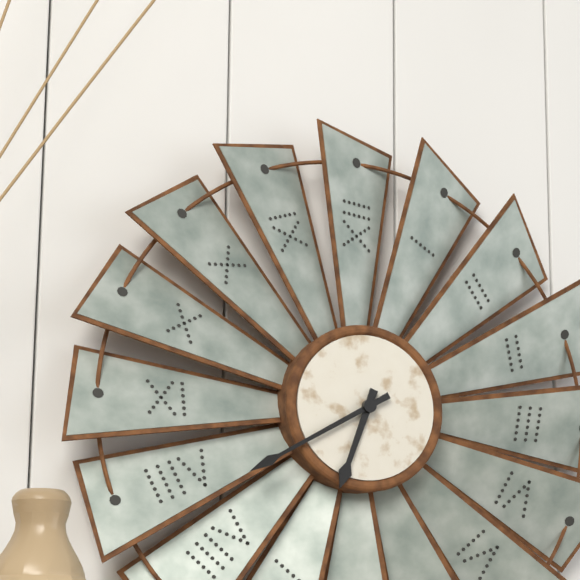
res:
h=6 m=40
